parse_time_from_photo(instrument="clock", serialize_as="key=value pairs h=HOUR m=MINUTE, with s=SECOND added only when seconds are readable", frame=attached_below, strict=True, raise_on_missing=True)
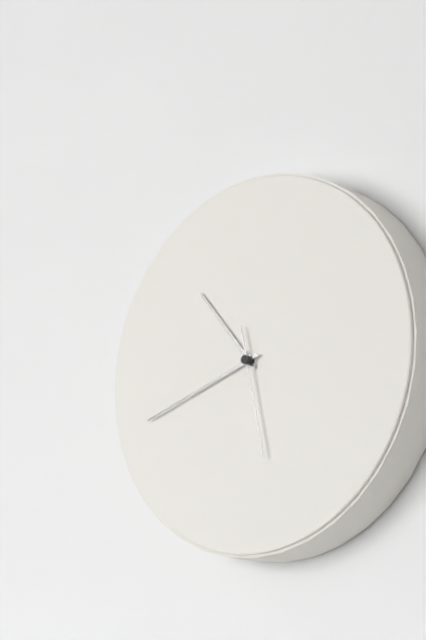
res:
h=10 m=42 s=28
